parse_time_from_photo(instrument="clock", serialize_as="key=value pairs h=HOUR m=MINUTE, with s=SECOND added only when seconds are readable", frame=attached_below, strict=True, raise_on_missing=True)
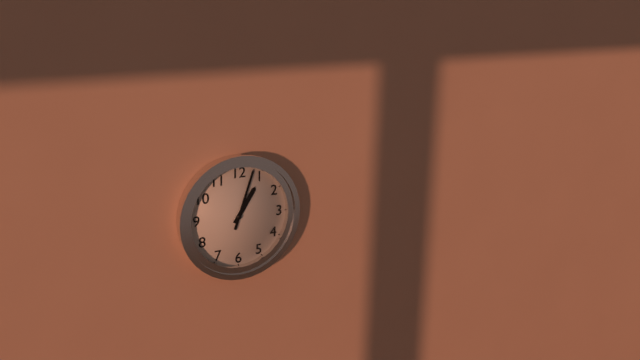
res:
h=1 m=3
